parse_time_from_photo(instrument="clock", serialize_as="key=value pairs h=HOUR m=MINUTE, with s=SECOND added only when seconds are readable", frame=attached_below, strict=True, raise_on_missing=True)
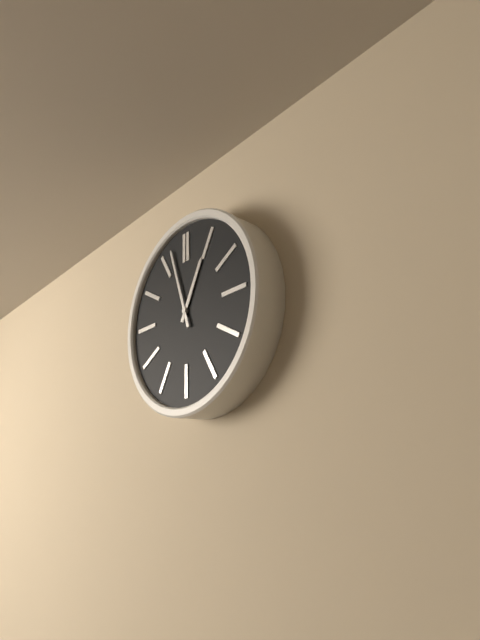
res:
h=12 m=57
